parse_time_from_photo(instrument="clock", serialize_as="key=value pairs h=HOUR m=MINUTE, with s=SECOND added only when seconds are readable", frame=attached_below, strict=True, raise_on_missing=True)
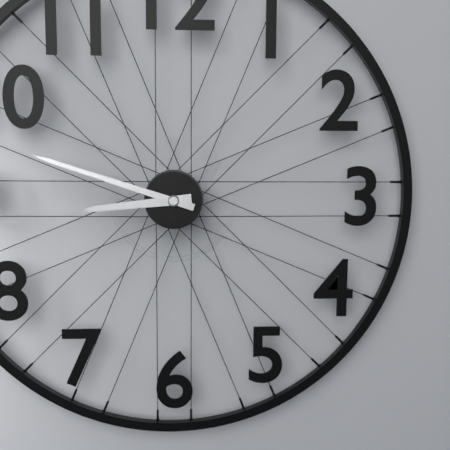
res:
h=8 m=48
